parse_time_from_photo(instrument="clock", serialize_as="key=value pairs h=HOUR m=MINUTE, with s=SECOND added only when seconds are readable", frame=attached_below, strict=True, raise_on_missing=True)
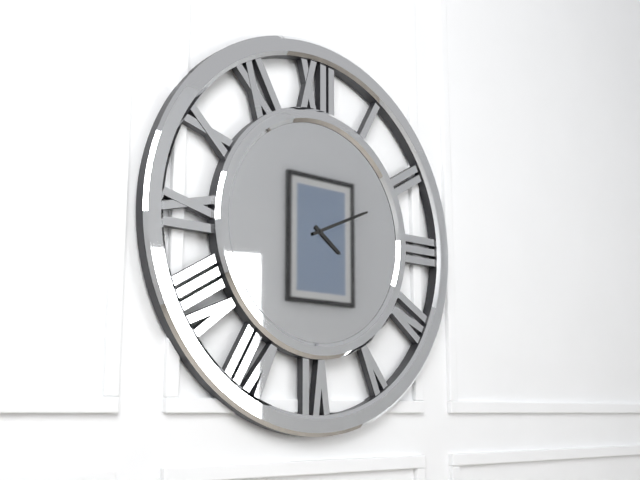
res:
h=4 m=11
